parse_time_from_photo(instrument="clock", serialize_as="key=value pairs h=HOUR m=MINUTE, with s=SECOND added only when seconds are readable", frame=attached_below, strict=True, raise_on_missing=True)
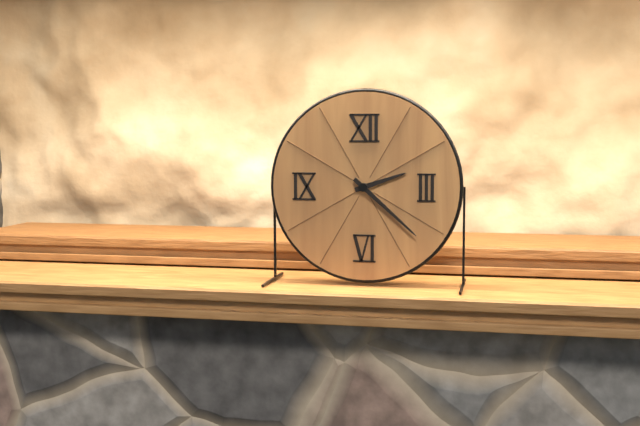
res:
h=2 m=22
